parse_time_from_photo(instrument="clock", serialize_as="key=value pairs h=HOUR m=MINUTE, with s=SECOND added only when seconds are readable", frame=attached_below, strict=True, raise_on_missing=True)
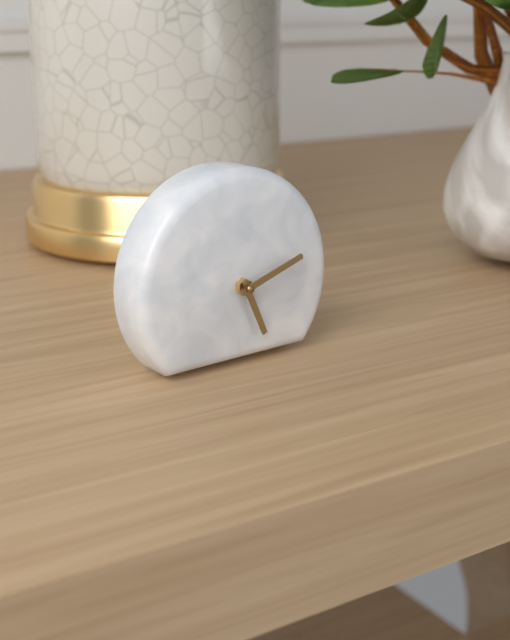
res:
h=5 m=12
